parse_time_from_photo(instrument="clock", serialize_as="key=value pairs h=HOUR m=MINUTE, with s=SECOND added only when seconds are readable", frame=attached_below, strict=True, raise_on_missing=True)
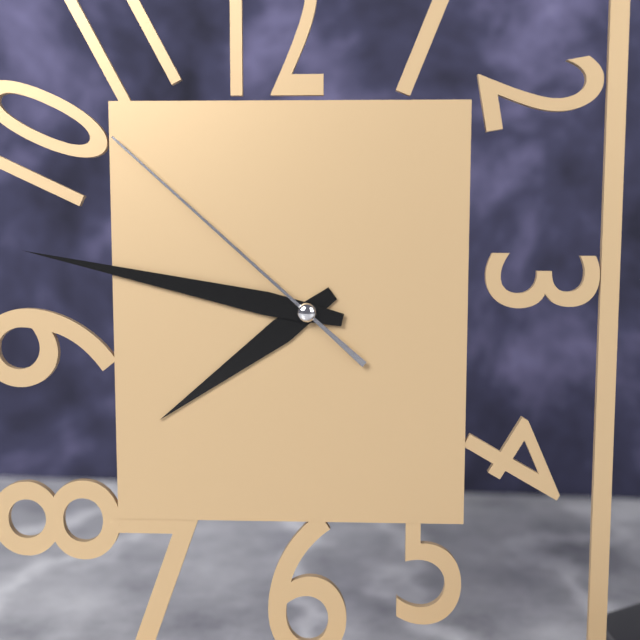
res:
h=7 m=47 s=52
